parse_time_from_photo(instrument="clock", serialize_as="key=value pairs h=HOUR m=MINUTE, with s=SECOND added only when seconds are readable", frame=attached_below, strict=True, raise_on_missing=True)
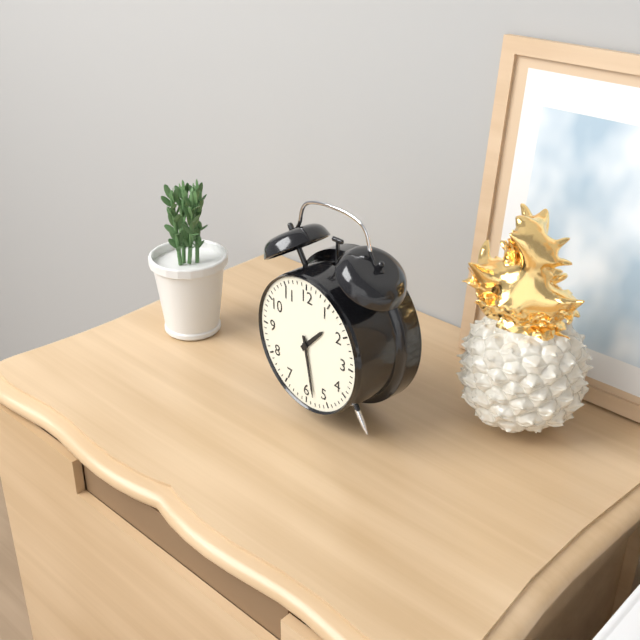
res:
h=1 m=28
